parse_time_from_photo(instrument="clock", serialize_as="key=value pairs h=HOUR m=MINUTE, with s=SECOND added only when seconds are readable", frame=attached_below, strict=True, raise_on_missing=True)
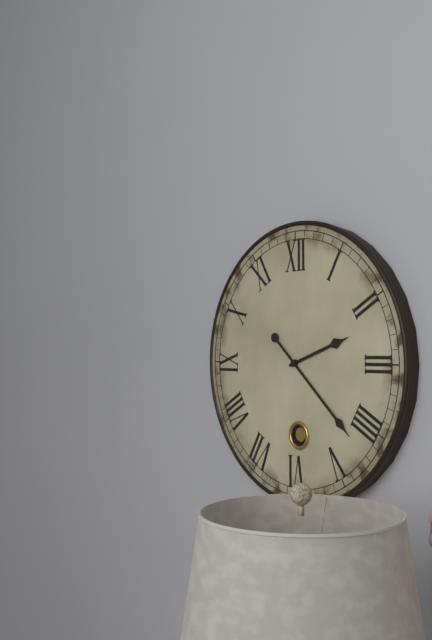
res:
h=2 m=22
